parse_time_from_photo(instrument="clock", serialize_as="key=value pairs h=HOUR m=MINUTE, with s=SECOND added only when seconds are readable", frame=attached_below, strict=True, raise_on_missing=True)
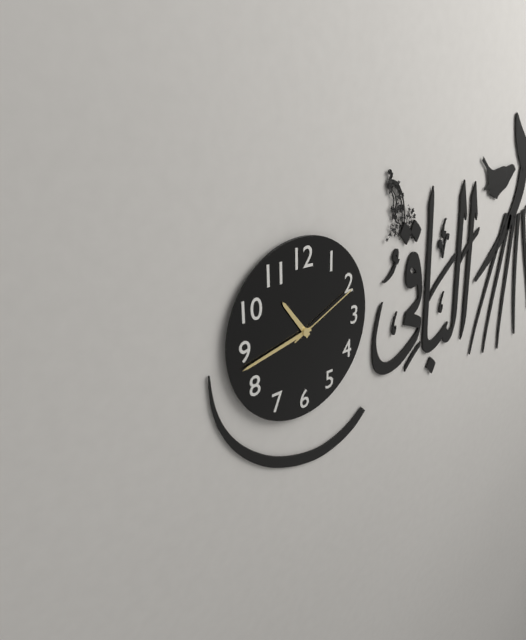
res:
h=10 m=43 s=11
